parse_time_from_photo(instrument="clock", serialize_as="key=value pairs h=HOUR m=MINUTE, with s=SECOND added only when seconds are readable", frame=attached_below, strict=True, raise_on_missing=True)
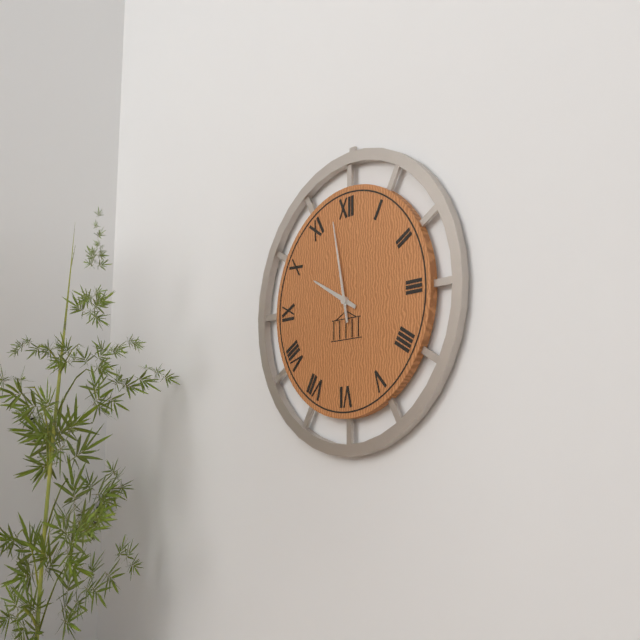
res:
h=9 m=58
